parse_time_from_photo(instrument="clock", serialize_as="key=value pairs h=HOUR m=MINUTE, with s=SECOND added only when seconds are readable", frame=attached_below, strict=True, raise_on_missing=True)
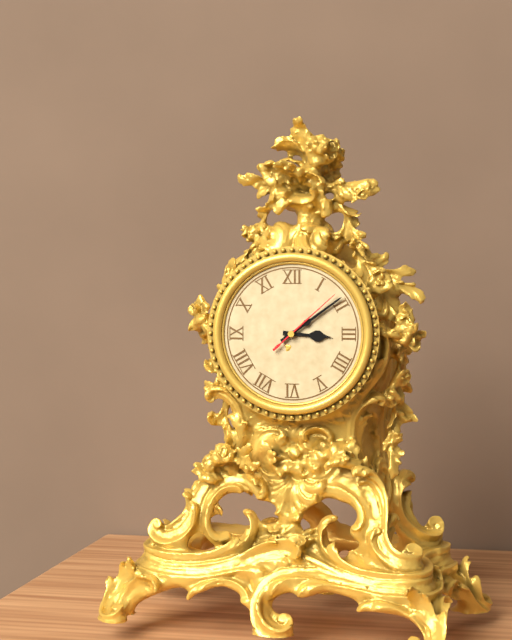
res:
h=3 m=9 s=8
